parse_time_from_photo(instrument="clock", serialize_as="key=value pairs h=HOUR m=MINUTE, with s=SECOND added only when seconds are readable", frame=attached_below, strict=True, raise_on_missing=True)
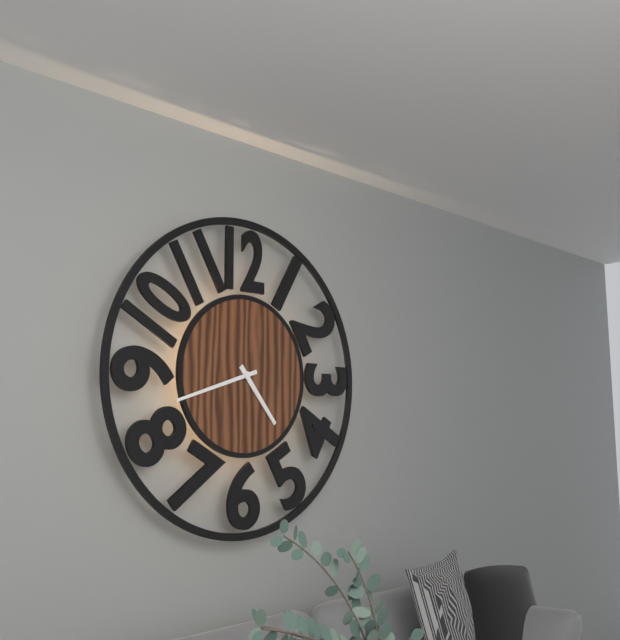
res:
h=4 m=42
